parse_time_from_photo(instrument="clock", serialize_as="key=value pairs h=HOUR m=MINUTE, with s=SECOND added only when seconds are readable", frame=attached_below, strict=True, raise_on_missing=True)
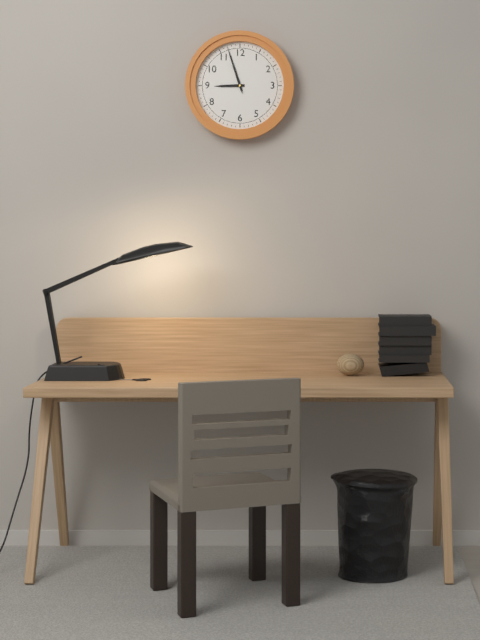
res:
h=8 m=57 s=57
